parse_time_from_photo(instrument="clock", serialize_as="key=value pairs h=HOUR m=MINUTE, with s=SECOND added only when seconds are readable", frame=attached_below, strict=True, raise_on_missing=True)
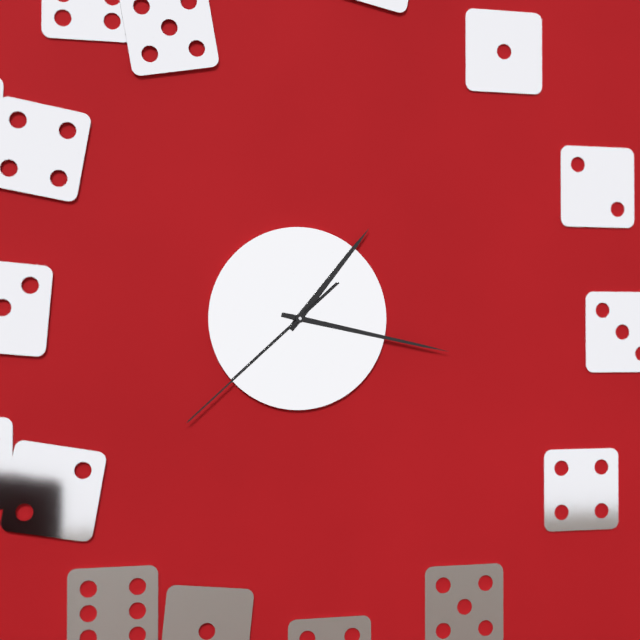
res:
h=1 m=17 s=38
